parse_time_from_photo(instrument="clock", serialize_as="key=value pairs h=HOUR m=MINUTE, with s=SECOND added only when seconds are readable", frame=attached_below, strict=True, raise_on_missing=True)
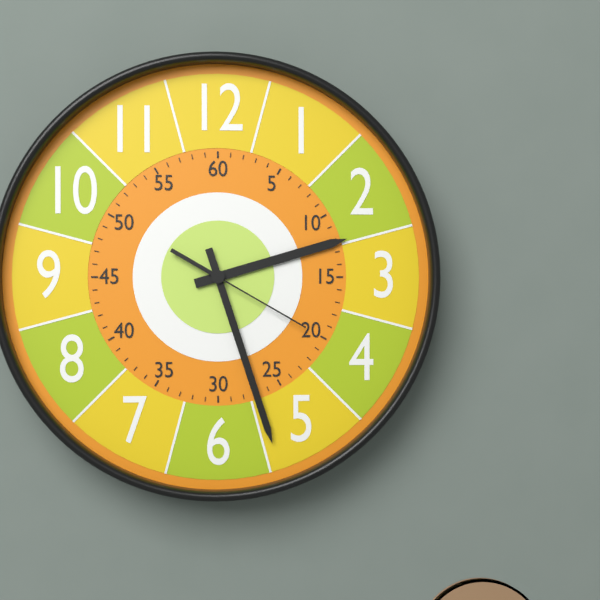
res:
h=2 m=27 s=20
